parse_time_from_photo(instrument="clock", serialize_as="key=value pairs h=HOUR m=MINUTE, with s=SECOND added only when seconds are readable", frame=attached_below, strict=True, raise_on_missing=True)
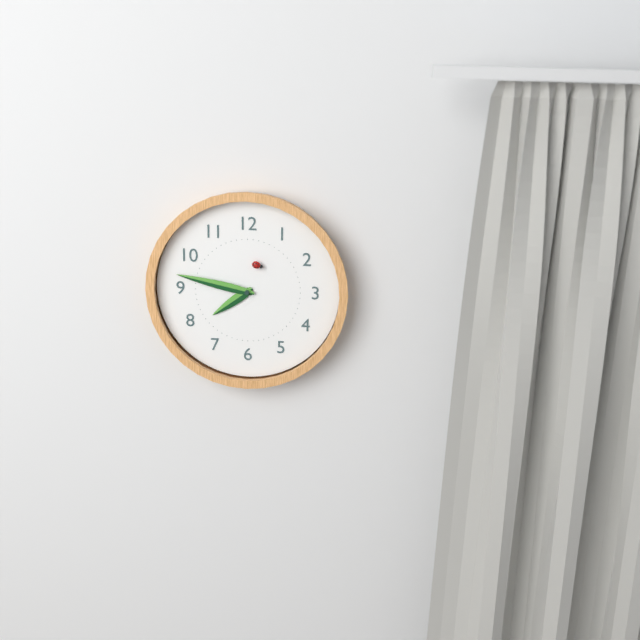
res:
h=7 m=47
